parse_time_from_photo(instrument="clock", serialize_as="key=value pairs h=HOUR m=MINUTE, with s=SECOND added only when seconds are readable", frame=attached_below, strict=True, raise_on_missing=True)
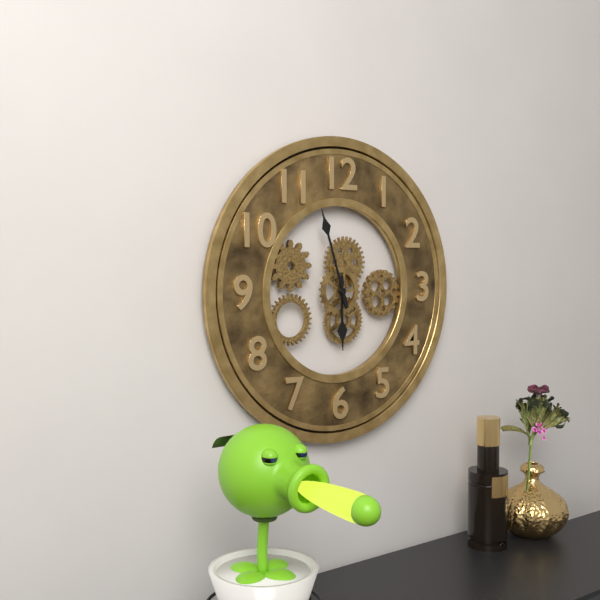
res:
h=5 m=57
